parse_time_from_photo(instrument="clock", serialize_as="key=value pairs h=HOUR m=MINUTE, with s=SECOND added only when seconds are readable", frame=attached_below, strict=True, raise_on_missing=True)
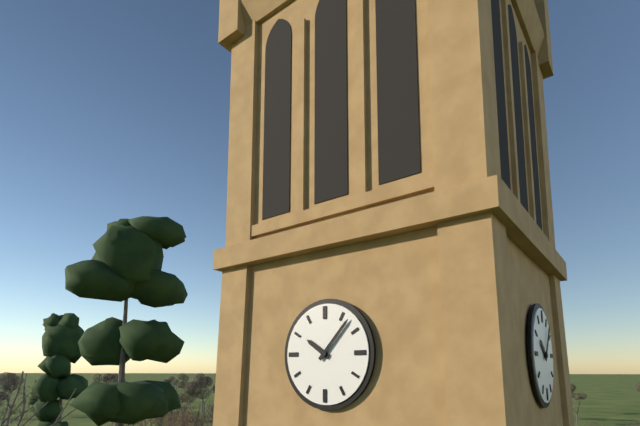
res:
h=10 m=7
